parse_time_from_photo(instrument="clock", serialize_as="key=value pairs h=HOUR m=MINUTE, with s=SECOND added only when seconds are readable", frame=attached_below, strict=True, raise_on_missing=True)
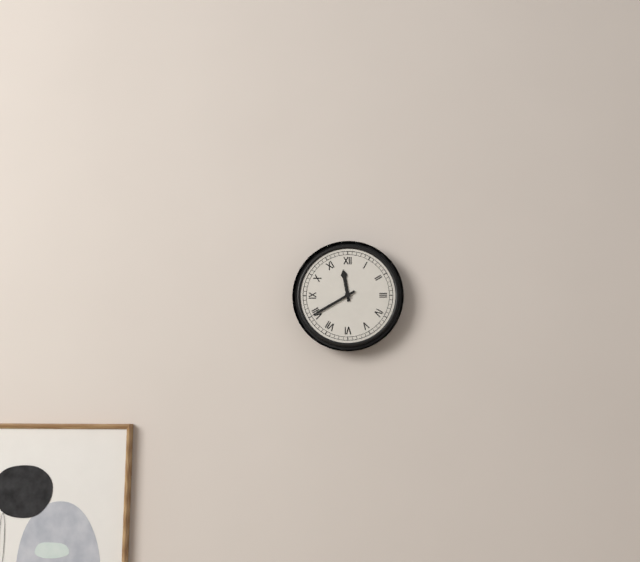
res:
h=11 m=40
